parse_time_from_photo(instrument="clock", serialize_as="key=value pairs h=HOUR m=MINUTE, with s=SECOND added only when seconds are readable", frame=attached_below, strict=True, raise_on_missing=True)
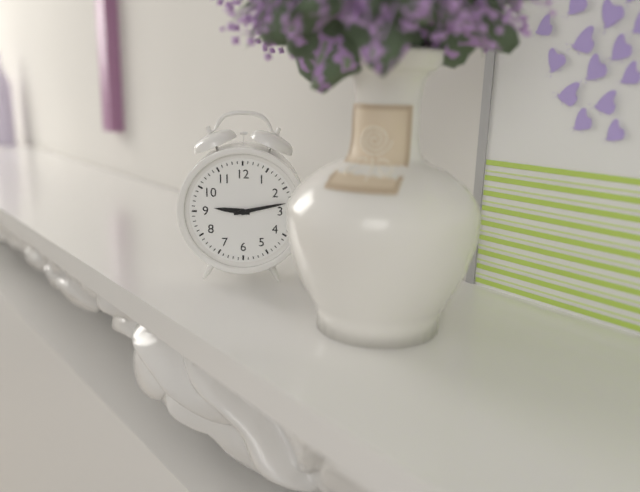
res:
h=9 m=13
